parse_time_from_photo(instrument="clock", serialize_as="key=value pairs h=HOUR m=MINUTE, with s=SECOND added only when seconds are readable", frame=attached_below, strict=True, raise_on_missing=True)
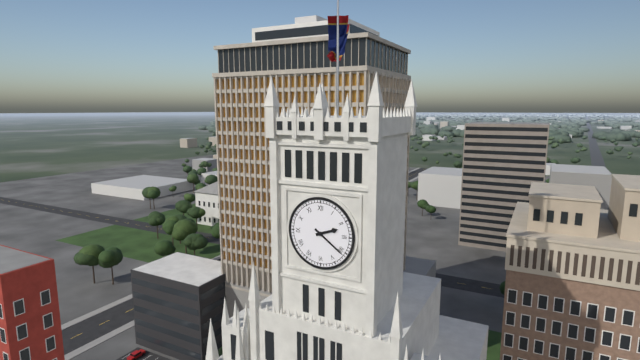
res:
h=2 m=21
